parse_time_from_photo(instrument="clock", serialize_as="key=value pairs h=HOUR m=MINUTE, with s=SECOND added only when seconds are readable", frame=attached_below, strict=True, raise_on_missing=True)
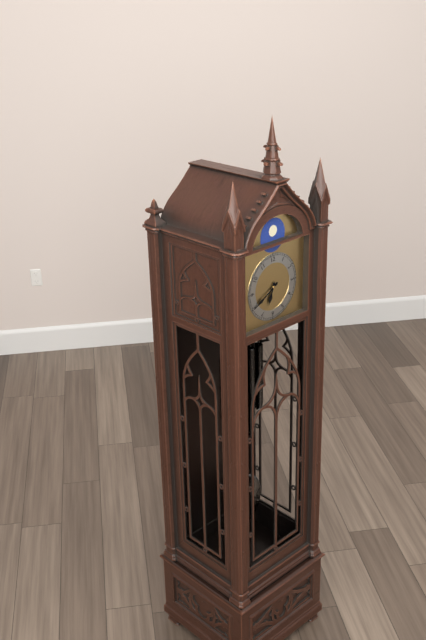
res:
h=6 m=40
